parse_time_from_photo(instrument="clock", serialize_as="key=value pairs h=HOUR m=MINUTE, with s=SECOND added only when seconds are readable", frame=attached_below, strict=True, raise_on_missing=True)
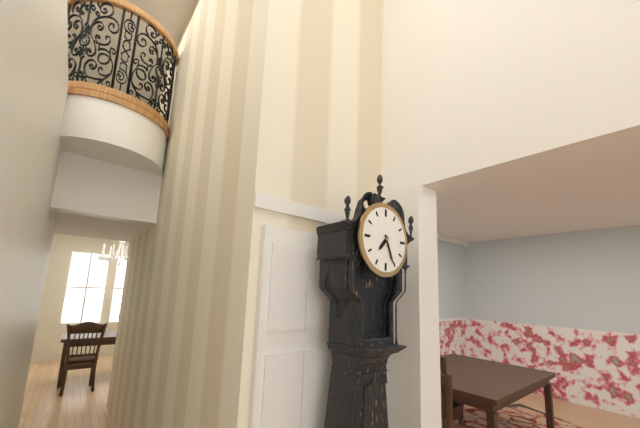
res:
h=7 m=26
